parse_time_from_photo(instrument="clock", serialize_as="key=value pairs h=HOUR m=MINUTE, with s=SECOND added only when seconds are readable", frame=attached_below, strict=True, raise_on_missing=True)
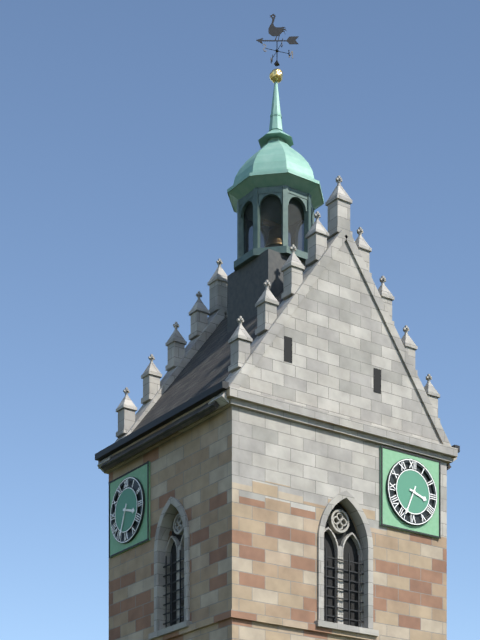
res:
h=3 m=34
